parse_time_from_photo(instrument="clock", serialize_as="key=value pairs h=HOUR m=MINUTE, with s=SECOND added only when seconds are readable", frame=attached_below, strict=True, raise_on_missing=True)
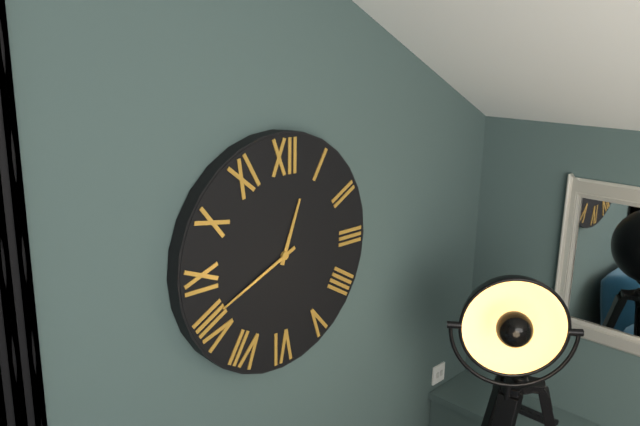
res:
h=12 m=41
